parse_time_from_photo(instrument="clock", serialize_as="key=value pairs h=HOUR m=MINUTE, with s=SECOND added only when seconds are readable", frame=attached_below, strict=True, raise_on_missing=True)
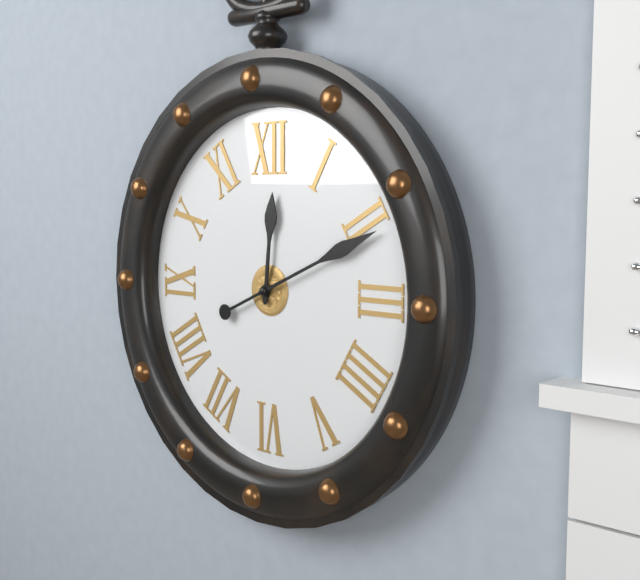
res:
h=12 m=11
